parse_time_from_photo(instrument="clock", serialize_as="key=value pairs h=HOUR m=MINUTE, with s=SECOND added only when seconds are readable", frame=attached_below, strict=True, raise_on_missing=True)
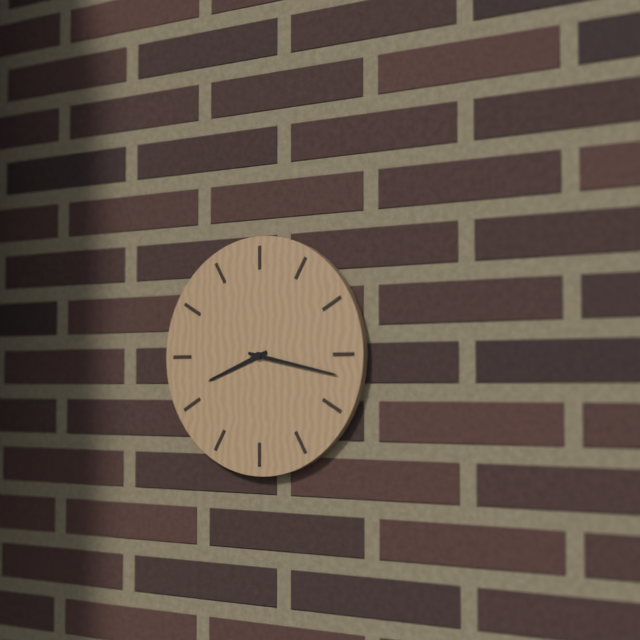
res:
h=8 m=17
